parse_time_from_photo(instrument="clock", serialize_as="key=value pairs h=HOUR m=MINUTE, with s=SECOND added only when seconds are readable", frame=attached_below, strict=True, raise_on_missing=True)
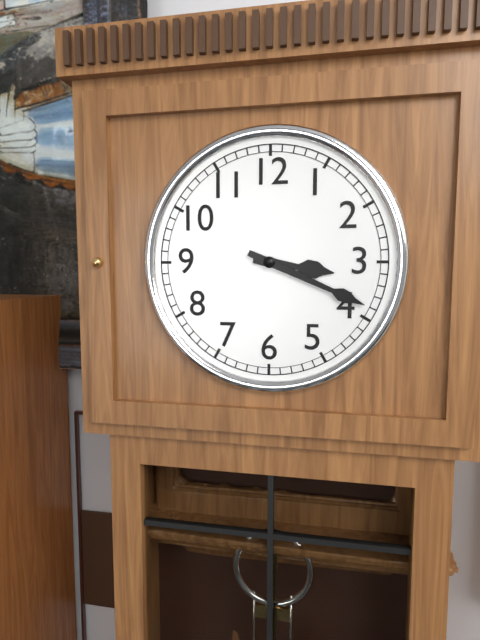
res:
h=3 m=19
